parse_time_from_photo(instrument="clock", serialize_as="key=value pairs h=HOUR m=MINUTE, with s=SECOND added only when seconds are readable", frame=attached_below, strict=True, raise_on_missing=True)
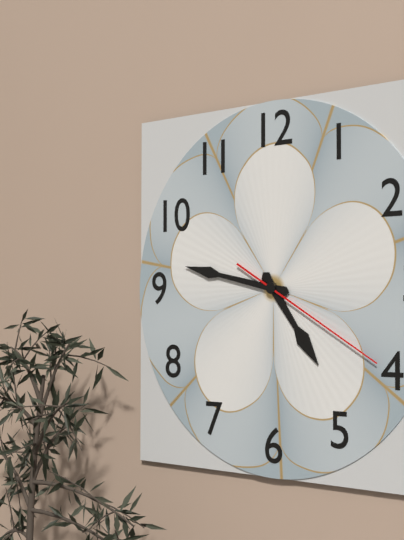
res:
h=4 m=47 s=20
